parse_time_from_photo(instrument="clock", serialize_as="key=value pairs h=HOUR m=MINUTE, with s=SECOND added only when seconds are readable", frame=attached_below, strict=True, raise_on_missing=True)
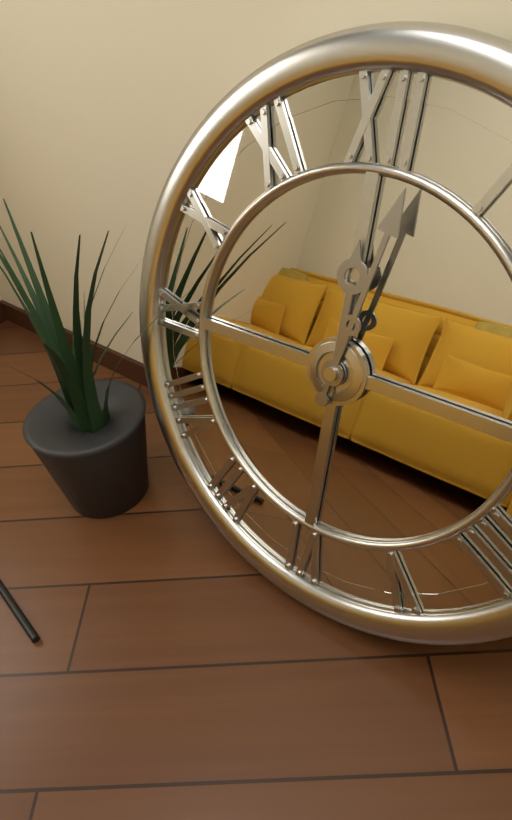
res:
h=12 m=2
